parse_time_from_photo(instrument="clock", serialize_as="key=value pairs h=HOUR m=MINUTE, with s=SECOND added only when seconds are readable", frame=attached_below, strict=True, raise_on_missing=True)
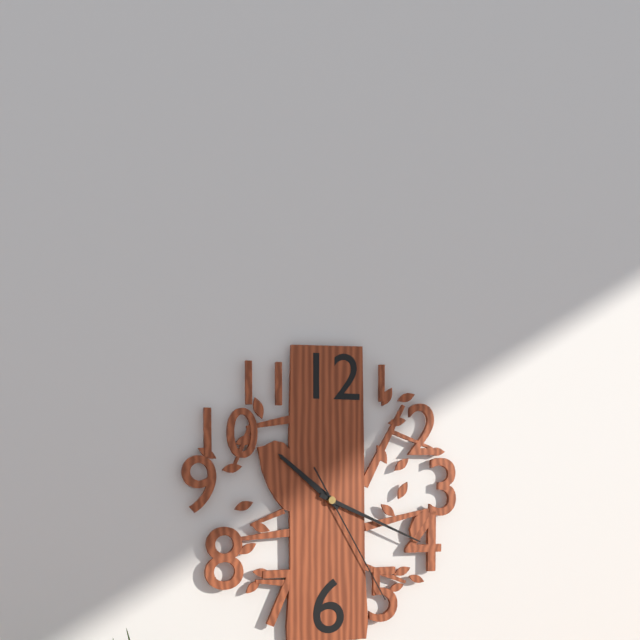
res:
h=10 m=19 s=25
